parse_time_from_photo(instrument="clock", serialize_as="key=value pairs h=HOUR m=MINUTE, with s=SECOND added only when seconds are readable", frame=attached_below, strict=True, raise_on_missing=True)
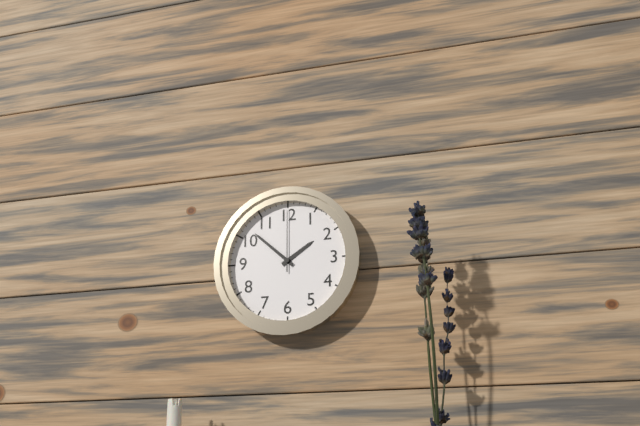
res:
h=1 m=52 s=0
